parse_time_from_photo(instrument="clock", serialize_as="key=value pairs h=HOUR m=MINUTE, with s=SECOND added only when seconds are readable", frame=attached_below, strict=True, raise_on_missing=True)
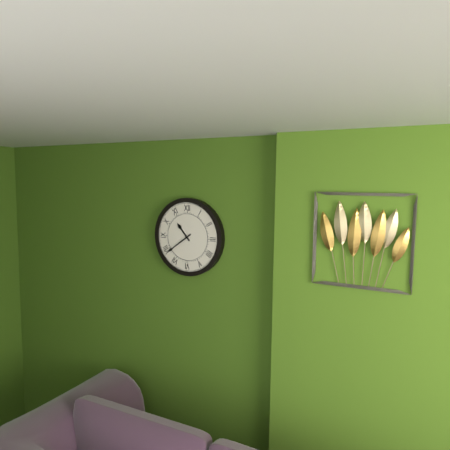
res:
h=10 m=39
